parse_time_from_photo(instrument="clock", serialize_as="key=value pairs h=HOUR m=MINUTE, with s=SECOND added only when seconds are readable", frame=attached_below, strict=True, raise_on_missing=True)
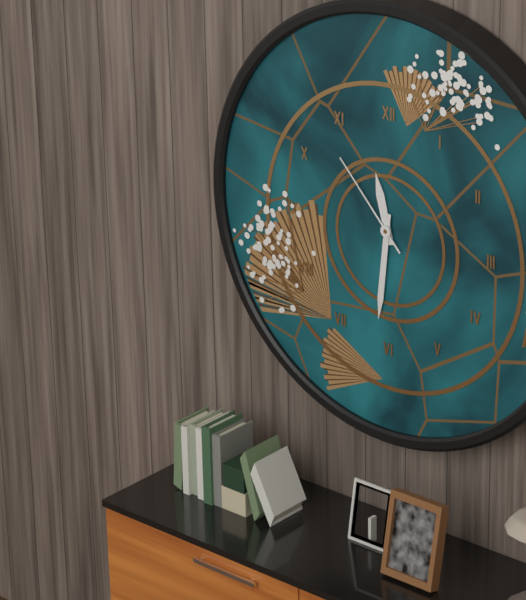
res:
h=11 m=31 s=53
